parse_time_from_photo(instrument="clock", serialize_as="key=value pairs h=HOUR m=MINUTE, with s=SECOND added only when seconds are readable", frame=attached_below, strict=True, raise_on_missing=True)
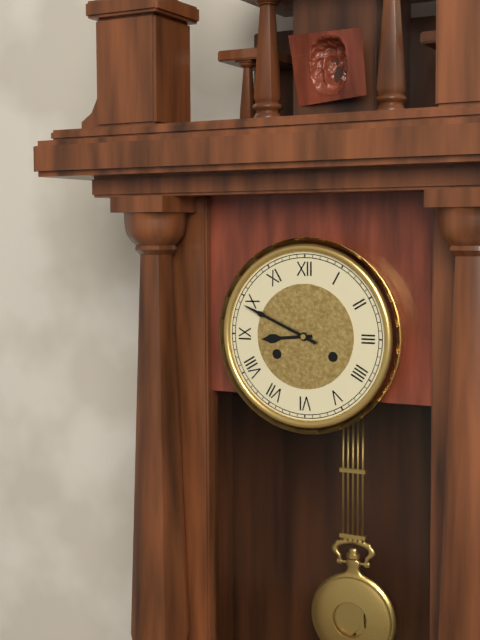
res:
h=8 m=49
